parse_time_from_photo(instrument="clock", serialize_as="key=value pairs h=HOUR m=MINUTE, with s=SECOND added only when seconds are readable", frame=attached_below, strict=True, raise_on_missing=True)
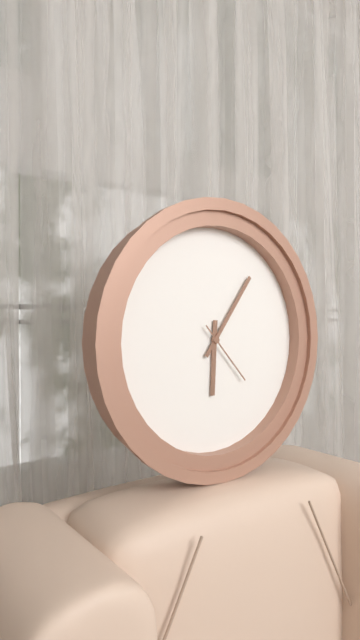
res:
h=6 m=6 s=23
